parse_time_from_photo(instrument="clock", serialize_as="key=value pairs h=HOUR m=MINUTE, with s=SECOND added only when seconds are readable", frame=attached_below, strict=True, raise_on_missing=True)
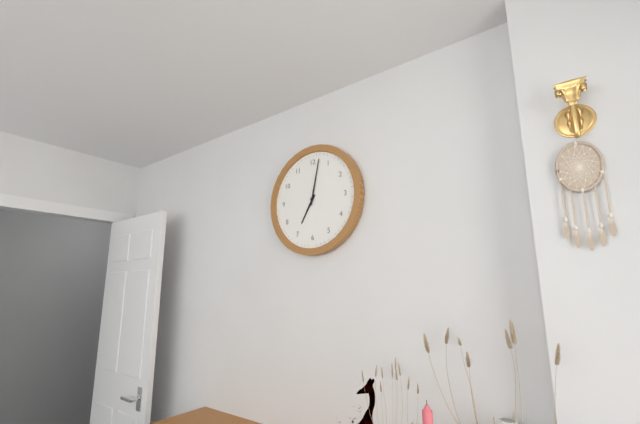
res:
h=7 m=2
